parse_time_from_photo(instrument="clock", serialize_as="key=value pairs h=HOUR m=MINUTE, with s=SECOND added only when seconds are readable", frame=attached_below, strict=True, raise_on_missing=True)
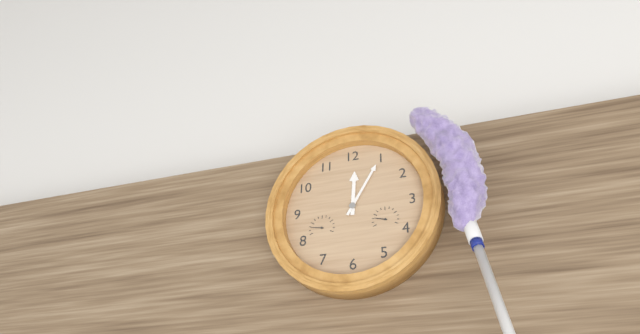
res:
h=12 m=5
